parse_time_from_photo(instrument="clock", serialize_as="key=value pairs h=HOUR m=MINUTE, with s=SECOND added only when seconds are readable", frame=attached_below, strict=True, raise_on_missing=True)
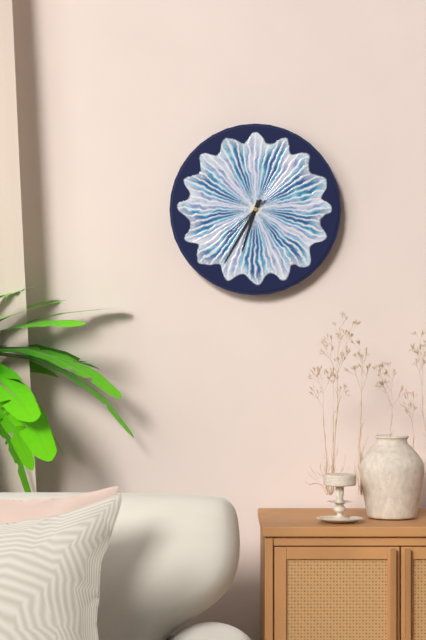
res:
h=6 m=35 s=38
